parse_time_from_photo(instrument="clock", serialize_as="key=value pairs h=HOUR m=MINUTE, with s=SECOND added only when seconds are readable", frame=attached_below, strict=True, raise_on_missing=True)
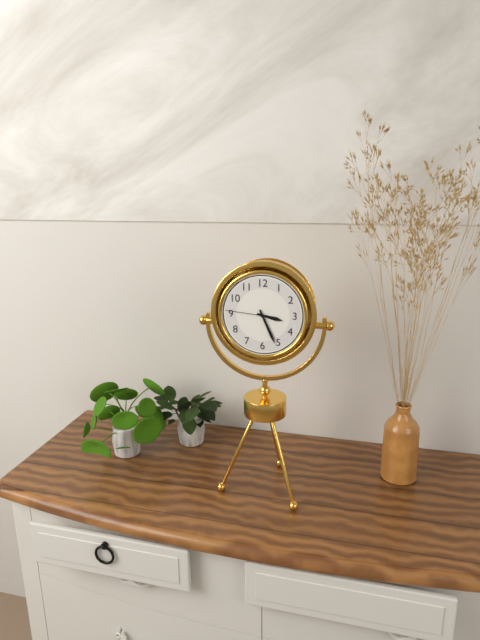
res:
h=3 m=26
